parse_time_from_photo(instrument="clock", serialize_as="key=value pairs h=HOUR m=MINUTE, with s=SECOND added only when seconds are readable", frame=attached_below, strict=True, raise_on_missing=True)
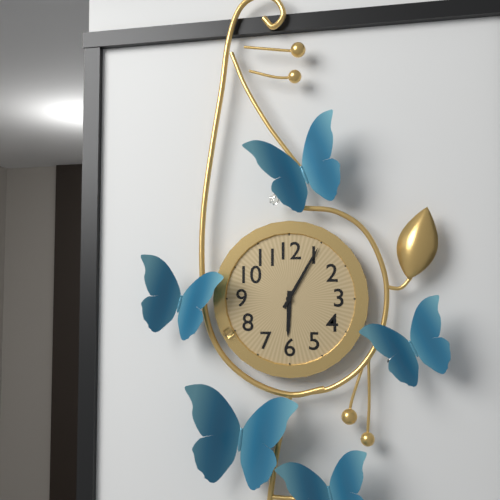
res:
h=6 m=5
